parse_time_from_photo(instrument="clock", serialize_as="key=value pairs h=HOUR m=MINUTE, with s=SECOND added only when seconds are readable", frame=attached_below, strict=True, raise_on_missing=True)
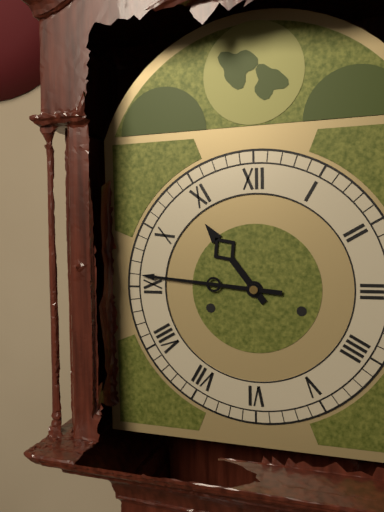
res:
h=10 m=46
